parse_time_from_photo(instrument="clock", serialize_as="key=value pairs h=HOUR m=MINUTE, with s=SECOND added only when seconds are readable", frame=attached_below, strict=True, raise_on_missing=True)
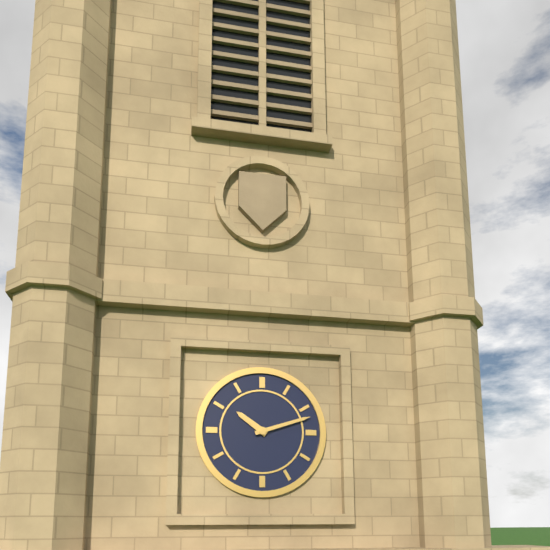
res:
h=10 m=12
